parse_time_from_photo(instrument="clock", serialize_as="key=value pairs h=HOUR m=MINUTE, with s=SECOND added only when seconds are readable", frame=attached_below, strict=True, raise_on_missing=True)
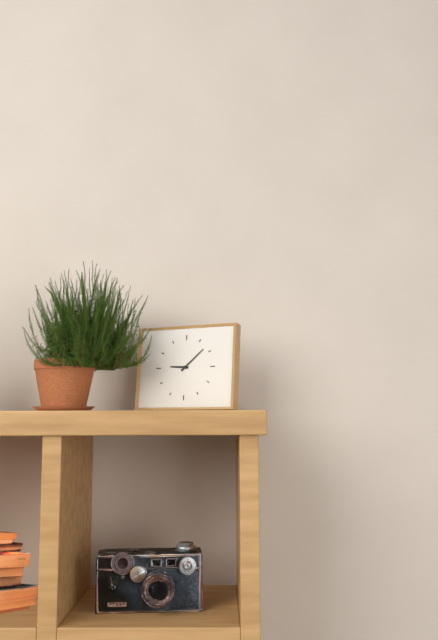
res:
h=9 m=8
